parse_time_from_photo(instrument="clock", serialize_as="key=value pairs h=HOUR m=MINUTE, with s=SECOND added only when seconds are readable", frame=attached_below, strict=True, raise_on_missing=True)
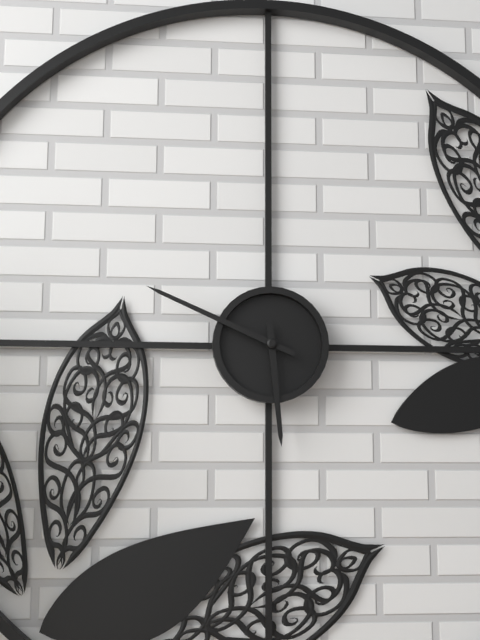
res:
h=5 m=49
